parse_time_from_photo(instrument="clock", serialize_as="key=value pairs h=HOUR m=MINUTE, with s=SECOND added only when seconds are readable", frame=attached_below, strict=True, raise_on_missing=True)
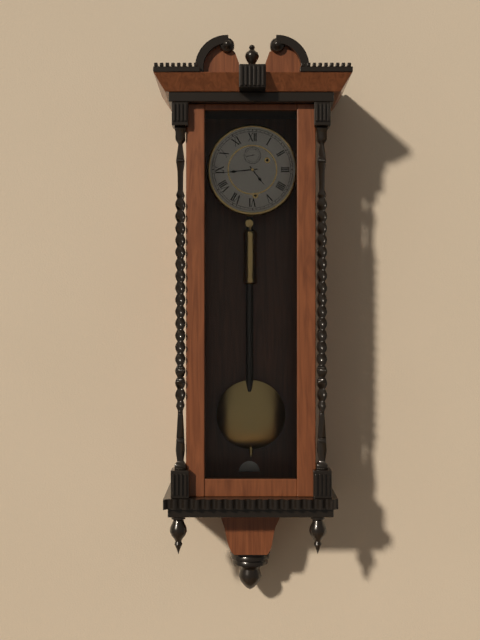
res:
h=4 m=44
